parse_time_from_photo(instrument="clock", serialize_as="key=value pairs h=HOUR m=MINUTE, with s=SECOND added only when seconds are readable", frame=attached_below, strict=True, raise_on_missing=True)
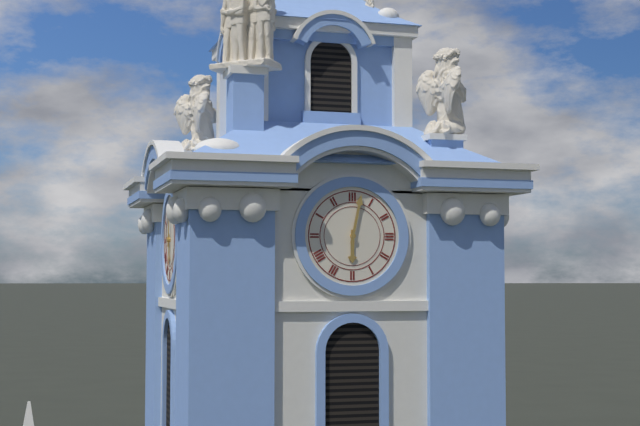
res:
h=6 m=2
